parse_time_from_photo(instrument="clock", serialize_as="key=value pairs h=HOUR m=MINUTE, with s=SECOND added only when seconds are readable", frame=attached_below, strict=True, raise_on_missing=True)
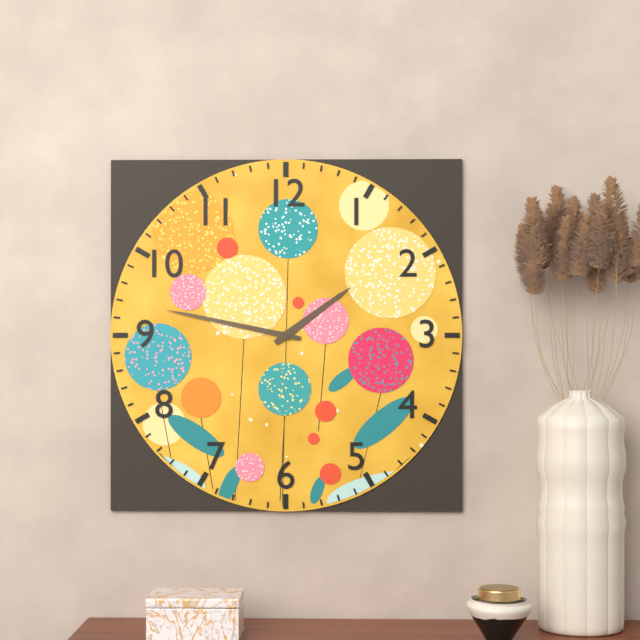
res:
h=1 m=47
